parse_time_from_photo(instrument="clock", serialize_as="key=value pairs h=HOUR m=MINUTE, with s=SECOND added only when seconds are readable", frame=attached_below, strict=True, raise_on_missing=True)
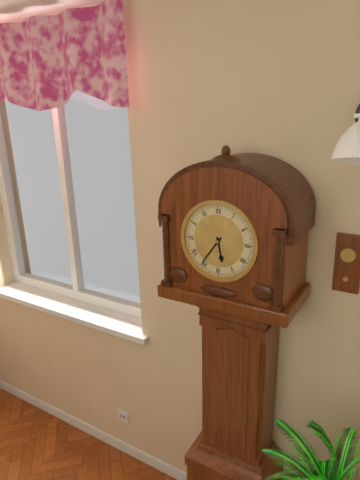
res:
h=5 m=36
